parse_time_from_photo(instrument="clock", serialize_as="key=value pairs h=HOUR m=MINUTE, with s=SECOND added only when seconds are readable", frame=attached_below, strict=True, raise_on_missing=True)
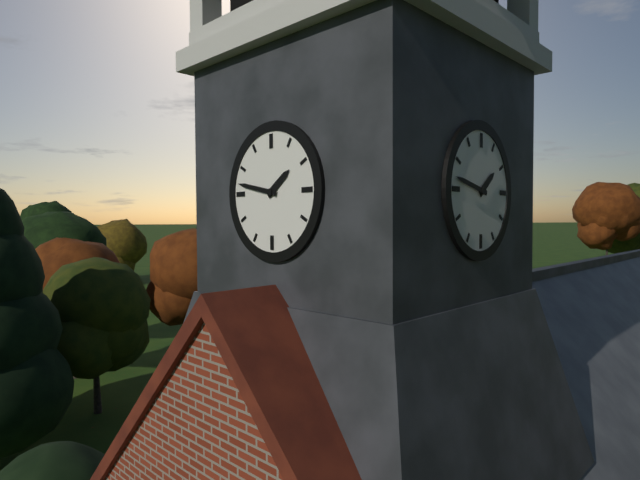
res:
h=1 m=47
